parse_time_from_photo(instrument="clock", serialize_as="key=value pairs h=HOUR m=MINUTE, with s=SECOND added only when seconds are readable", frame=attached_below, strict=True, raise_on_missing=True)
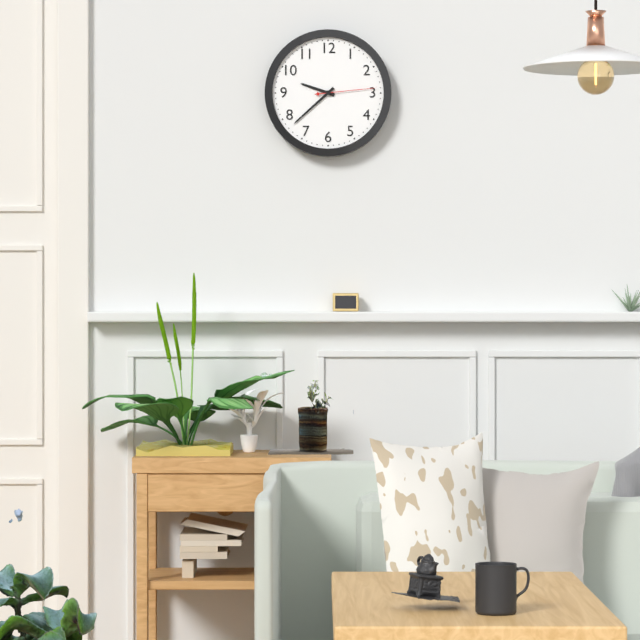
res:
h=9 m=38 s=14
